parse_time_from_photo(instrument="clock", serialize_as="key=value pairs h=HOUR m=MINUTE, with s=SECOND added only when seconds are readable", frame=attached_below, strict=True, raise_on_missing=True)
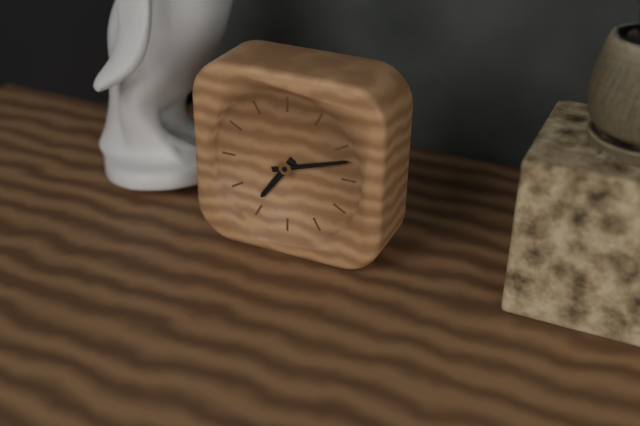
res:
h=7 m=12
